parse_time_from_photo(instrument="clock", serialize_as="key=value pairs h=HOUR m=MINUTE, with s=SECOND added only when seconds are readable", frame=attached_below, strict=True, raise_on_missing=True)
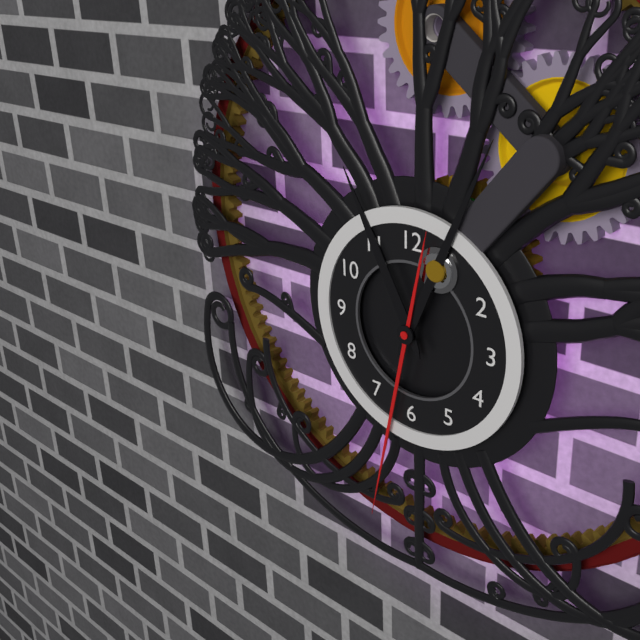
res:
h=11 m=4 s=32
